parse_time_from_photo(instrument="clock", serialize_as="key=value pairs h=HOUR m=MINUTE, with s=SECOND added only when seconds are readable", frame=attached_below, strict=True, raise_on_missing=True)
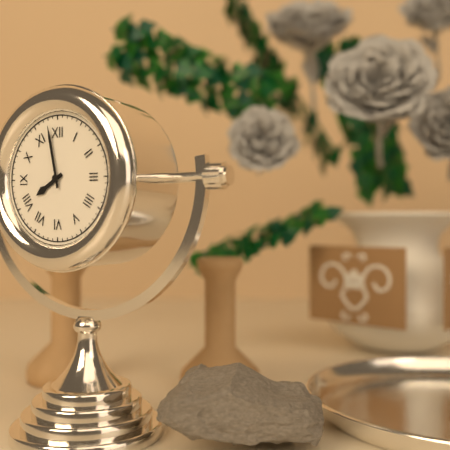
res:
h=7 m=58
